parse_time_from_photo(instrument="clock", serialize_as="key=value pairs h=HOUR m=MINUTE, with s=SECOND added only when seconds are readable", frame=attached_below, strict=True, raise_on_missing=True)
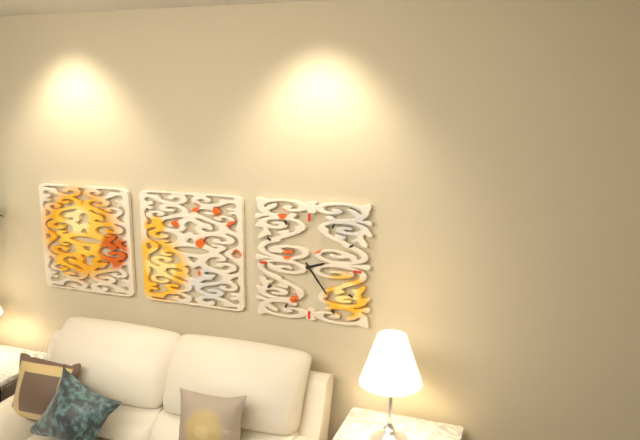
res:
h=2 m=24
